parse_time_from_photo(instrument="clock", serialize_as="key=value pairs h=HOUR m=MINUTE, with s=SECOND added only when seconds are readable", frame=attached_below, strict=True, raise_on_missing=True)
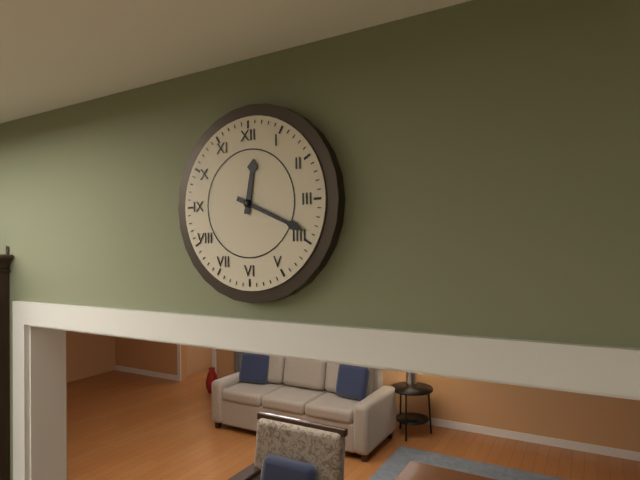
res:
h=12 m=19
